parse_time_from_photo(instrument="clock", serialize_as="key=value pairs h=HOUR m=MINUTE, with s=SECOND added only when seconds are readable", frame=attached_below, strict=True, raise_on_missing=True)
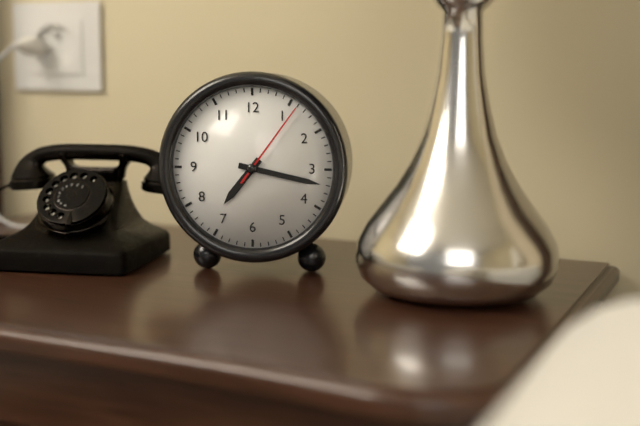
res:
h=7 m=17 s=6
